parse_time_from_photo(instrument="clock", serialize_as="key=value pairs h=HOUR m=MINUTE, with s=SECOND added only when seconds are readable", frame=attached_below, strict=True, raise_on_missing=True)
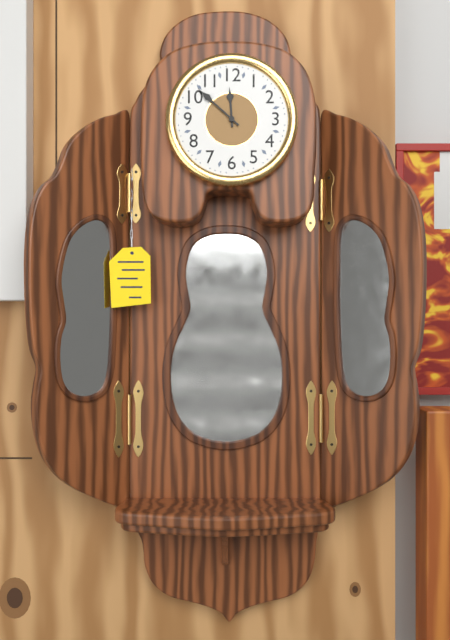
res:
h=11 m=52
